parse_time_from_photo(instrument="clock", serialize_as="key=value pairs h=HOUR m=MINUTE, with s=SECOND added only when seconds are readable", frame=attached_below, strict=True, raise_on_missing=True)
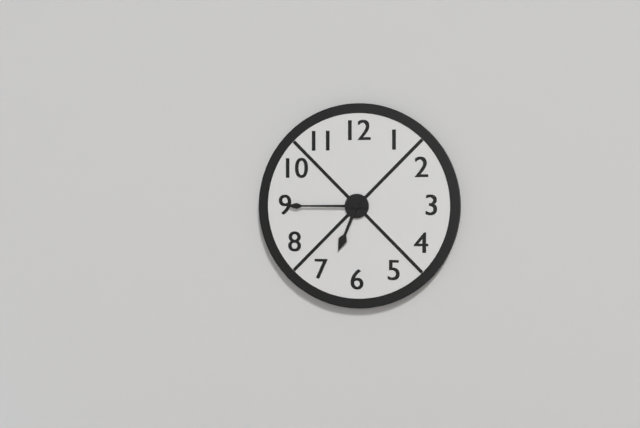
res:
h=6 m=45
